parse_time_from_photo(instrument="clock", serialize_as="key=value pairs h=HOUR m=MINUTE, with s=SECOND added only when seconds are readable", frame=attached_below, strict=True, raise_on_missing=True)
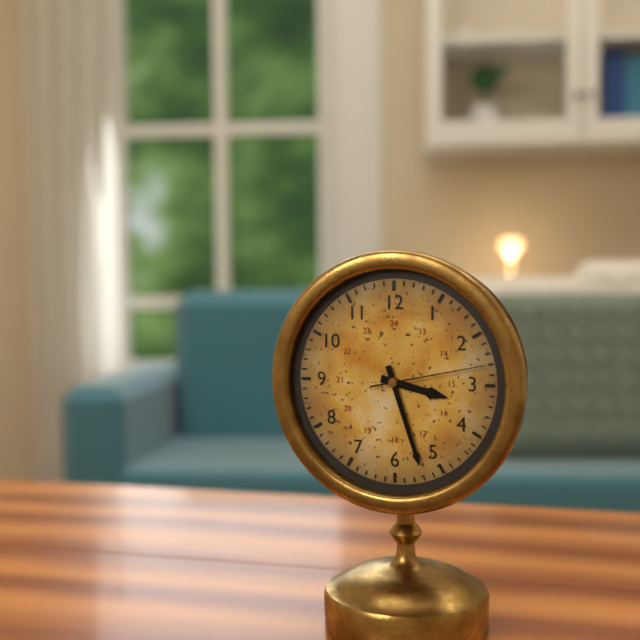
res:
h=3 m=27 s=13
